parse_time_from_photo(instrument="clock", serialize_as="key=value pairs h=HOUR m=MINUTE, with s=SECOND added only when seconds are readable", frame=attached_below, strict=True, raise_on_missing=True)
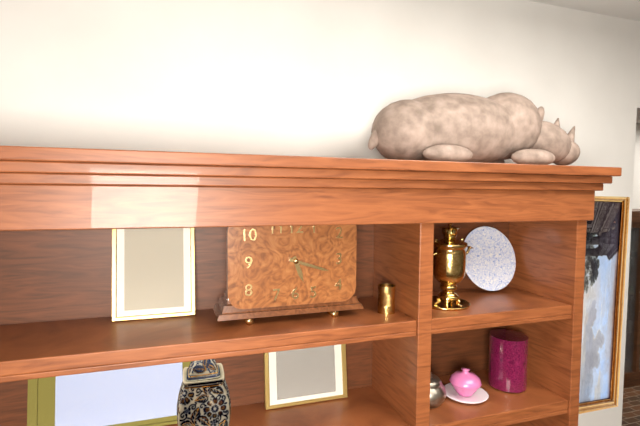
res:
h=5 m=18
